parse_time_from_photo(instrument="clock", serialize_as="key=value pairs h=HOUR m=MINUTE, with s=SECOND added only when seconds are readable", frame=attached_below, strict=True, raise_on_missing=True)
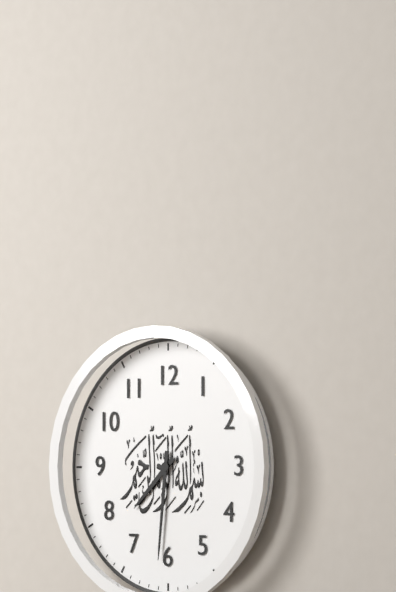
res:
h=7 m=31
